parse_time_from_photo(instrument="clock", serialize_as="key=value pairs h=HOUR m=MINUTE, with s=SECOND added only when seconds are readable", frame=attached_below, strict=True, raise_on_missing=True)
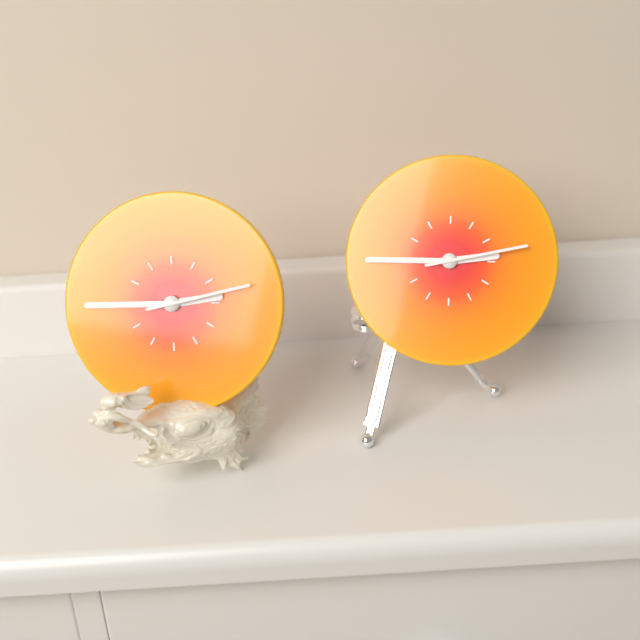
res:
h=2 m=45 s=13
